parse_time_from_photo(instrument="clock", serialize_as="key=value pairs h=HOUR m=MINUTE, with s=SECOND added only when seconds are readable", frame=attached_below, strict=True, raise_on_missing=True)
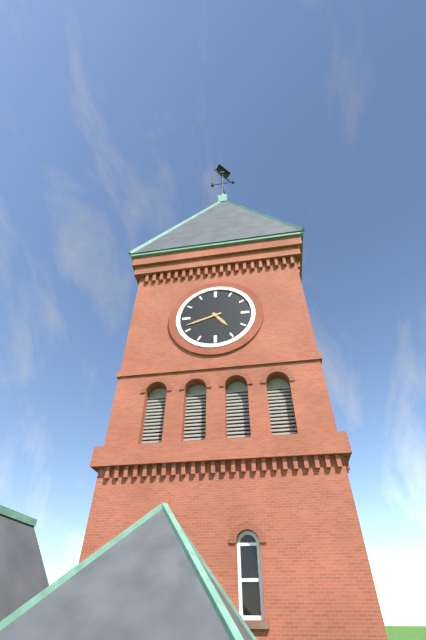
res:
h=4 m=42
